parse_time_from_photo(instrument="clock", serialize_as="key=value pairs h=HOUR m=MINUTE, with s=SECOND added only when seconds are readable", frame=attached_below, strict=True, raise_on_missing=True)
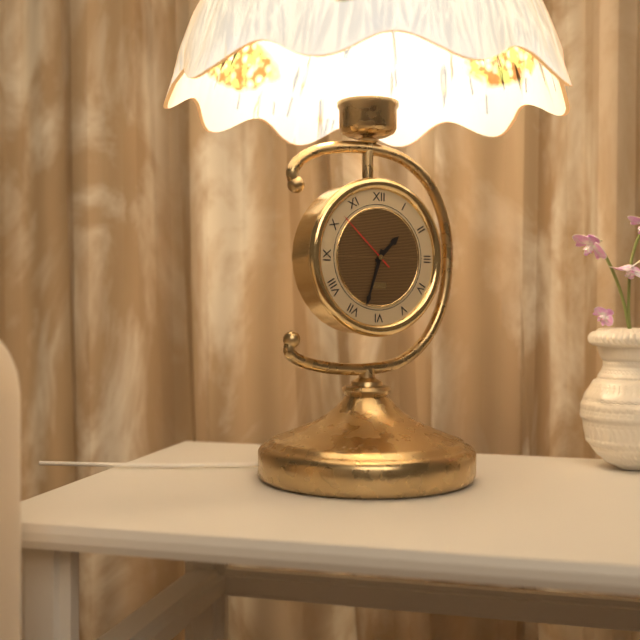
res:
h=1 m=33 s=52
